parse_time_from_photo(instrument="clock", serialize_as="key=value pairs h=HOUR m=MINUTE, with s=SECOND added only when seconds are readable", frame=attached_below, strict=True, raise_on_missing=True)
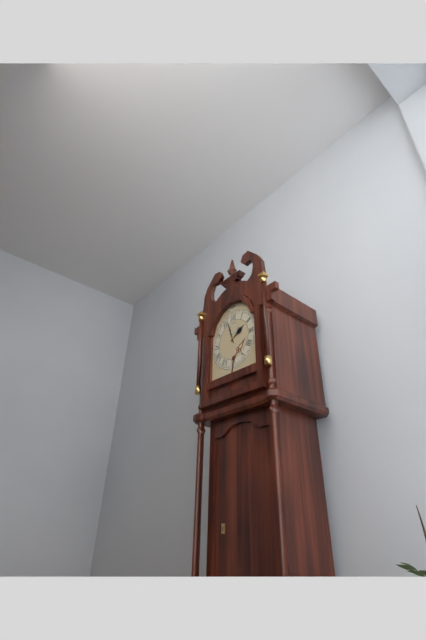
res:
h=1 m=57
